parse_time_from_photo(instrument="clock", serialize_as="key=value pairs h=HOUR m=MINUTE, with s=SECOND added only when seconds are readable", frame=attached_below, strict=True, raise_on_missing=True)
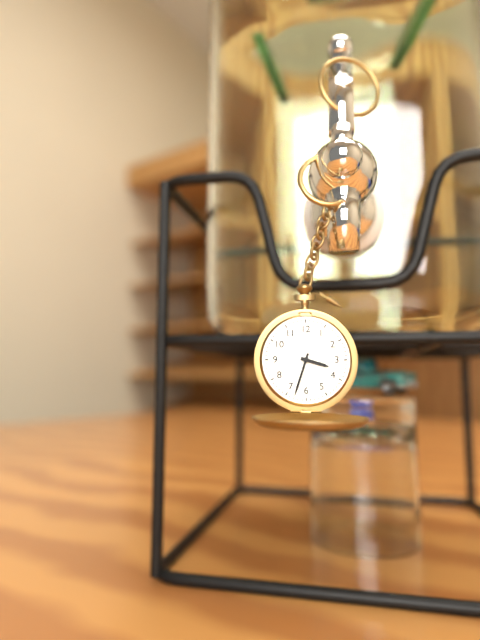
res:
h=3 m=33
